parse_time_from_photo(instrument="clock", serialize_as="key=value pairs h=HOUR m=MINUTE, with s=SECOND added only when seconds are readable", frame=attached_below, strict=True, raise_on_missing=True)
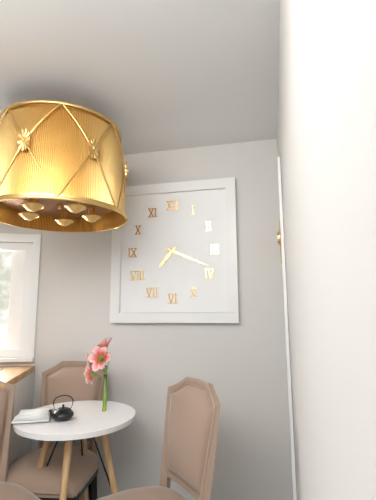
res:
h=7 m=19
